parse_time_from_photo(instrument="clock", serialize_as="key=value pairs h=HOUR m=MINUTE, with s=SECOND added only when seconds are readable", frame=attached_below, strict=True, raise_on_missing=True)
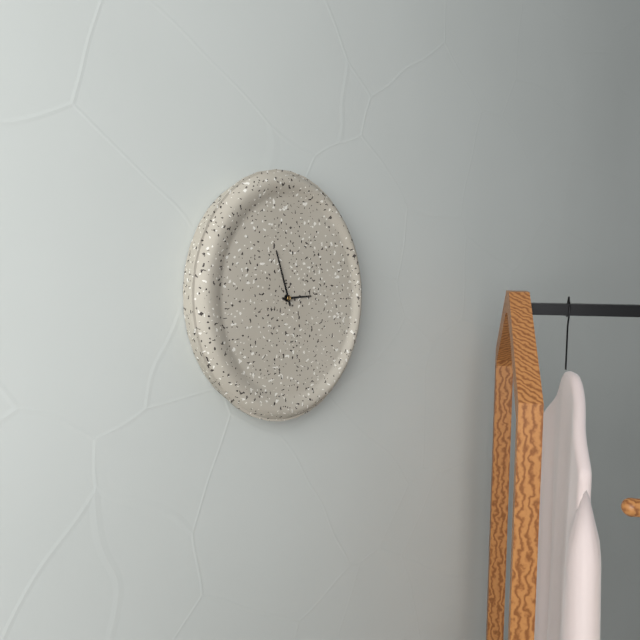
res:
h=2 m=57
